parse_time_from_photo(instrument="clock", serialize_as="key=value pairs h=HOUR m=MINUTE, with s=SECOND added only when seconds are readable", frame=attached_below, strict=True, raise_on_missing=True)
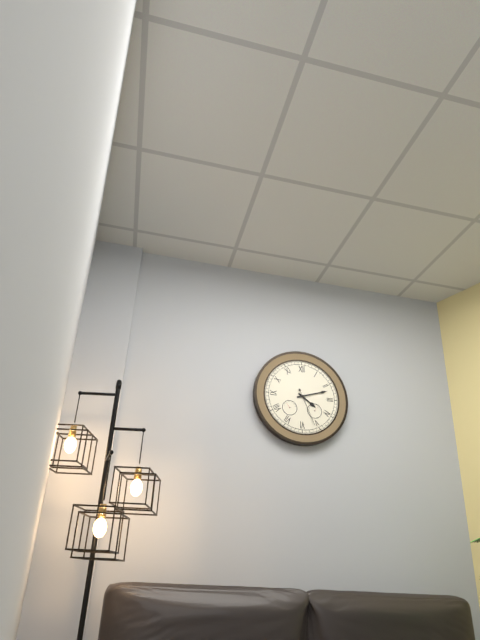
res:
h=4 m=12
